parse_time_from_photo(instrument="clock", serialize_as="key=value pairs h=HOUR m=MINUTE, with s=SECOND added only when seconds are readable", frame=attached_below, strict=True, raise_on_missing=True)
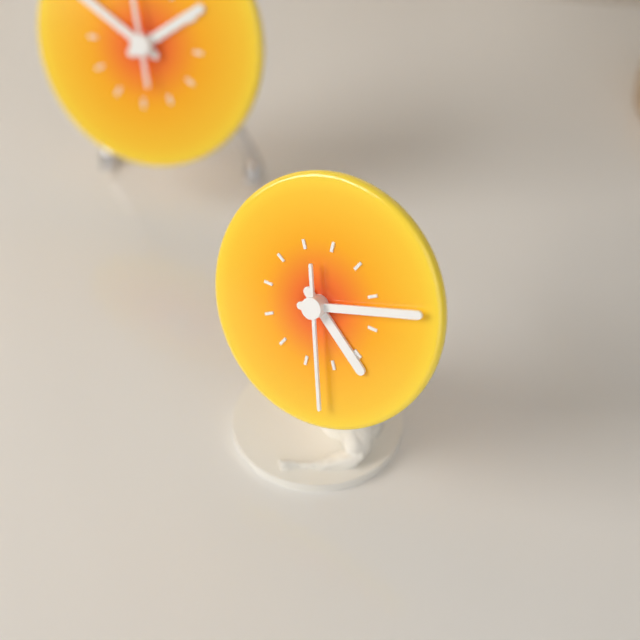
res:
h=4 m=12 s=27
